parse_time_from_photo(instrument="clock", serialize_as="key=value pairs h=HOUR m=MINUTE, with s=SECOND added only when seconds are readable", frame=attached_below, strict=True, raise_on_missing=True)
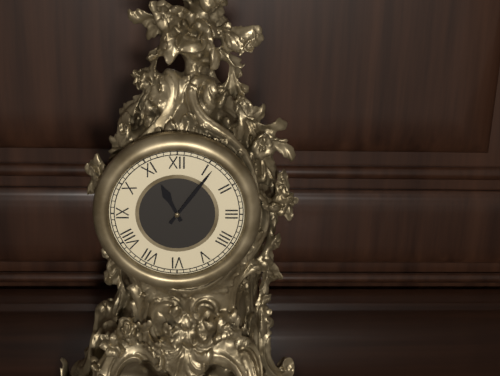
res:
h=11 m=6
